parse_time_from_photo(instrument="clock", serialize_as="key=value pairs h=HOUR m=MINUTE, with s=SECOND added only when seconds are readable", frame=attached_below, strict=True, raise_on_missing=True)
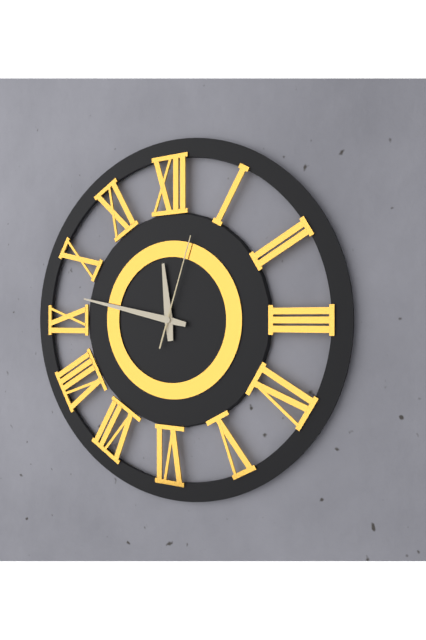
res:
h=11 m=47 s=3
